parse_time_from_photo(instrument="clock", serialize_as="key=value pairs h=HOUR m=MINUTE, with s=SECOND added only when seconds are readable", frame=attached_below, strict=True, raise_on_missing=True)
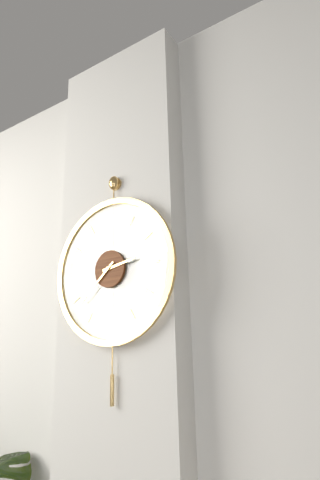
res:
h=2 m=38
